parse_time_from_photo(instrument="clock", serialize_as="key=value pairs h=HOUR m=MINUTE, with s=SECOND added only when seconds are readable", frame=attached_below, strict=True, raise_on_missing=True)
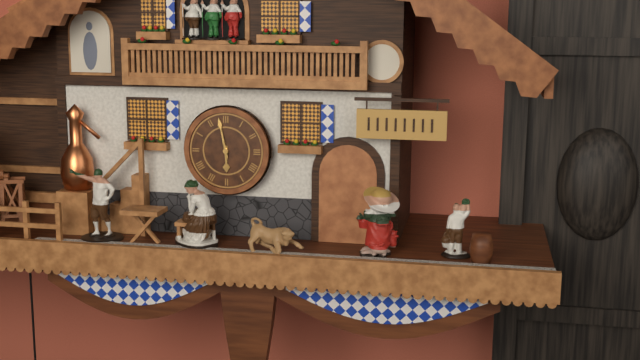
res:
h=5 m=58
